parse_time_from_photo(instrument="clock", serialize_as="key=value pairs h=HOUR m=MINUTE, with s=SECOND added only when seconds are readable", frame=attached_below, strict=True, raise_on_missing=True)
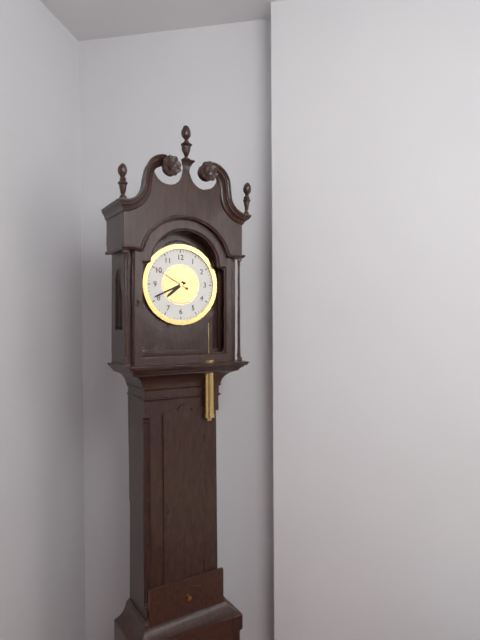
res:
h=7 m=41
